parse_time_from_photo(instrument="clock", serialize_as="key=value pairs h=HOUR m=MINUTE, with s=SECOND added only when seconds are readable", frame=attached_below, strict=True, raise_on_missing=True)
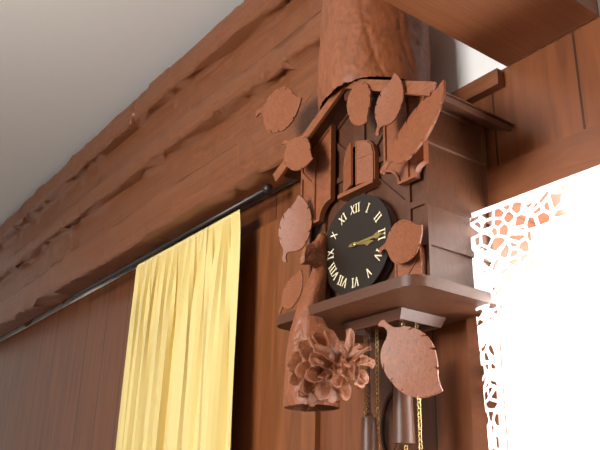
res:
h=3 m=15
